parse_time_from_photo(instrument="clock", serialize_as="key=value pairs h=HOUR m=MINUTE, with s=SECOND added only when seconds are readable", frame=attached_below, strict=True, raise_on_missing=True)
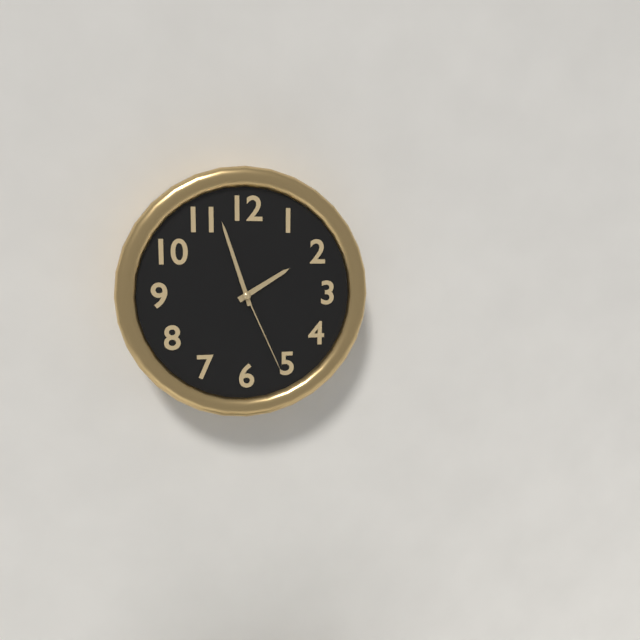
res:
h=1 m=57 s=26
